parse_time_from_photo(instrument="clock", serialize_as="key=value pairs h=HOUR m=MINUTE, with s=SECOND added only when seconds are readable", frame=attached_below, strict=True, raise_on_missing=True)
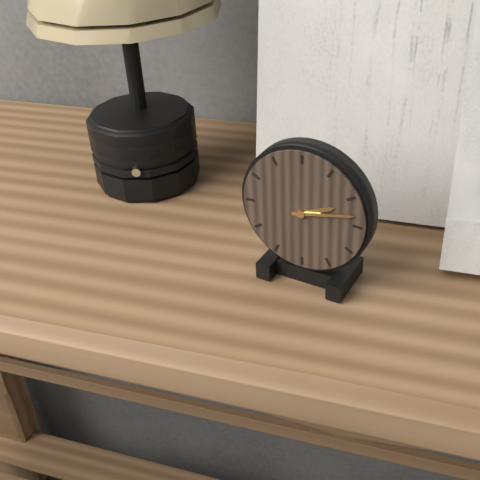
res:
h=2 m=13
